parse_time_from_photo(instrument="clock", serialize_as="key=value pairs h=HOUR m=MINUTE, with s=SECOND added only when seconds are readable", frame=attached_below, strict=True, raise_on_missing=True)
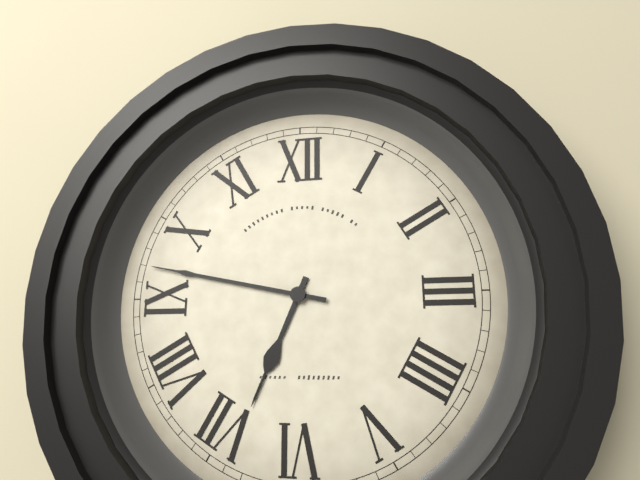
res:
h=6 m=47
